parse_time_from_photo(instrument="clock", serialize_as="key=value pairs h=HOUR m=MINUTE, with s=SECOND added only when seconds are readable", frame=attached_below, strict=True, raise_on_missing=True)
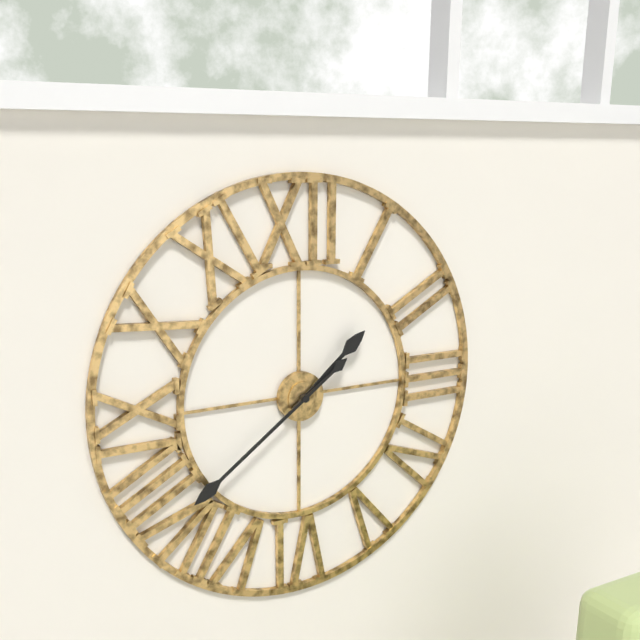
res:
h=1 m=39
